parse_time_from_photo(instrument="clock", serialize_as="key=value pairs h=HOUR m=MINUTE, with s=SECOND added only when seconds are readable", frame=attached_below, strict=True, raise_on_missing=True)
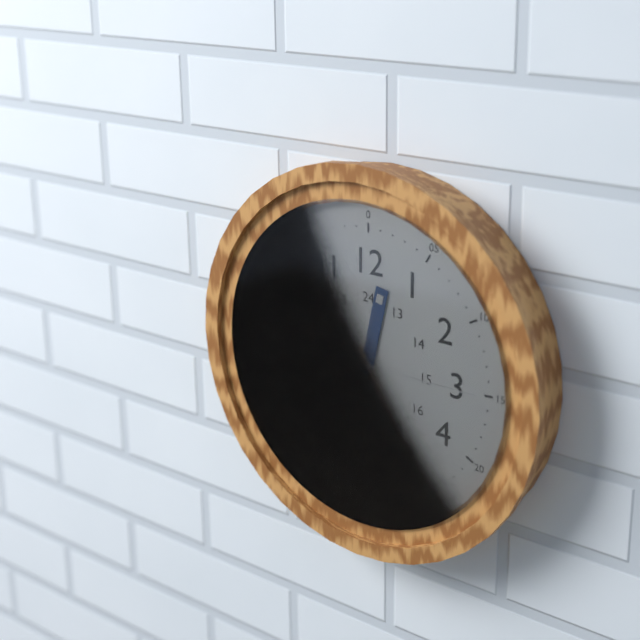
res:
h=12 m=25 s=15
